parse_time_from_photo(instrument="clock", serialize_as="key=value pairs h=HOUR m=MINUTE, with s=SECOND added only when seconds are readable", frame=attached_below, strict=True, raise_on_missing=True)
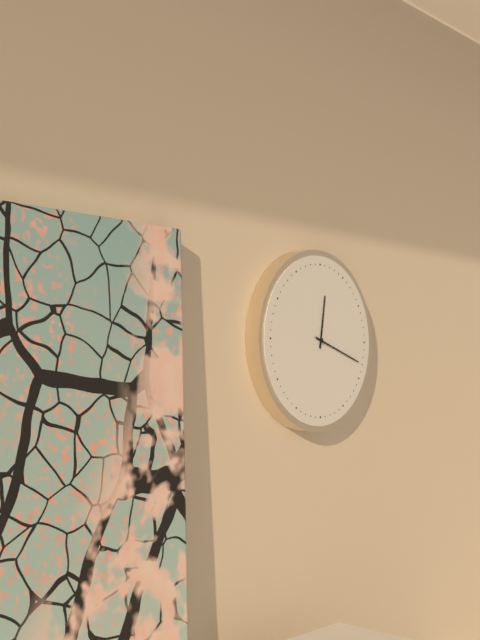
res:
h=12 m=18
